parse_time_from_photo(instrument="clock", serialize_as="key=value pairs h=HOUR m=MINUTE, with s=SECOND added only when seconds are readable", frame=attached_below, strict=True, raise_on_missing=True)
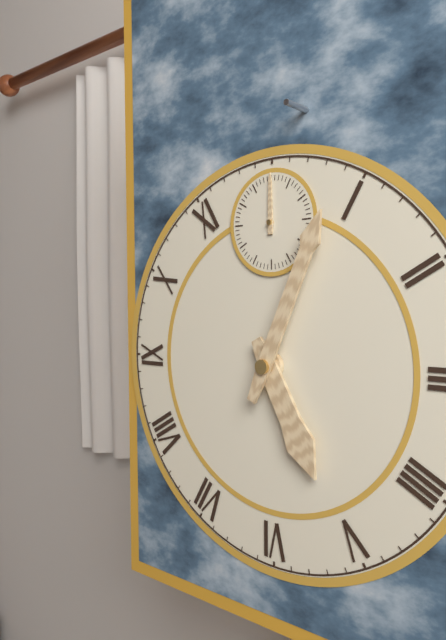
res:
h=5 m=4 s=0
